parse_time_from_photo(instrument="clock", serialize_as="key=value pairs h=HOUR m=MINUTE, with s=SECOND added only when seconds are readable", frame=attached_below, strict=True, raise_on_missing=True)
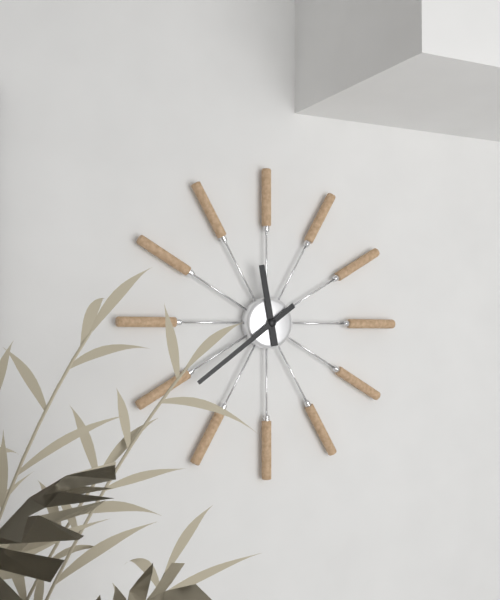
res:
h=11 m=39
